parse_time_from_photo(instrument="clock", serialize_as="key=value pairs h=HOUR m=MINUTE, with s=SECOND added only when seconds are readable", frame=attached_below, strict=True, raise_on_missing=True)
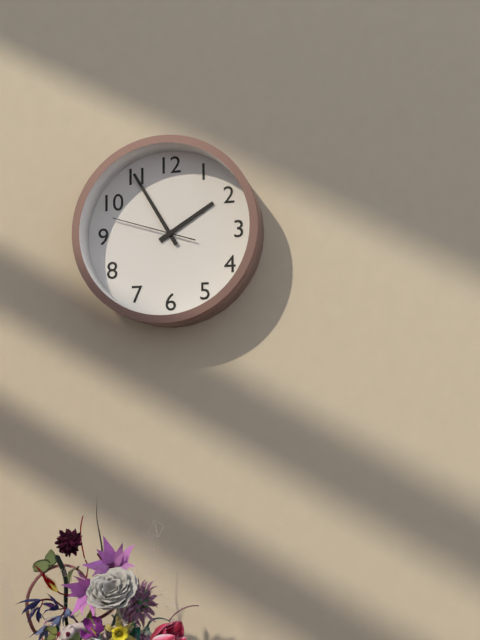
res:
h=1 m=55 s=48
